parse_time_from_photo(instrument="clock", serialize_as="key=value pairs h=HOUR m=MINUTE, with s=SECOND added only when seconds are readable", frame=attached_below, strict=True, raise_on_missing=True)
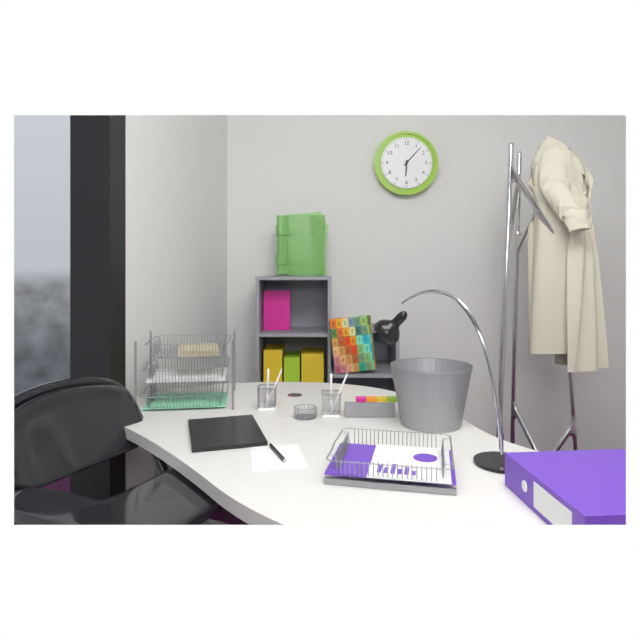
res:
h=6 m=7
